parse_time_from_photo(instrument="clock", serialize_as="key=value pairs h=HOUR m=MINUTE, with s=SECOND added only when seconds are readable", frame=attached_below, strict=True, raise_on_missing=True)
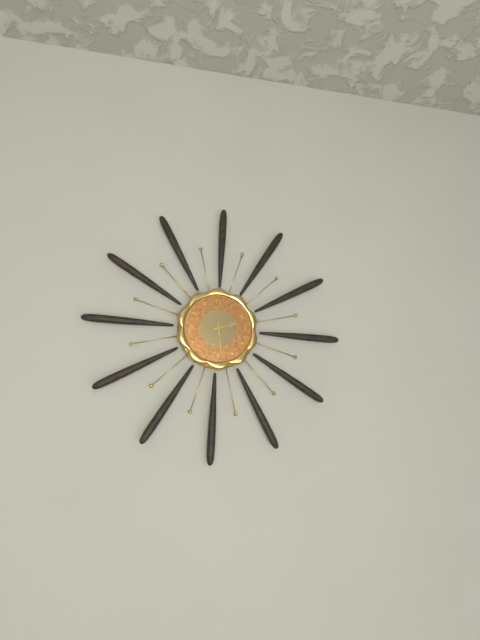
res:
h=2 m=29
